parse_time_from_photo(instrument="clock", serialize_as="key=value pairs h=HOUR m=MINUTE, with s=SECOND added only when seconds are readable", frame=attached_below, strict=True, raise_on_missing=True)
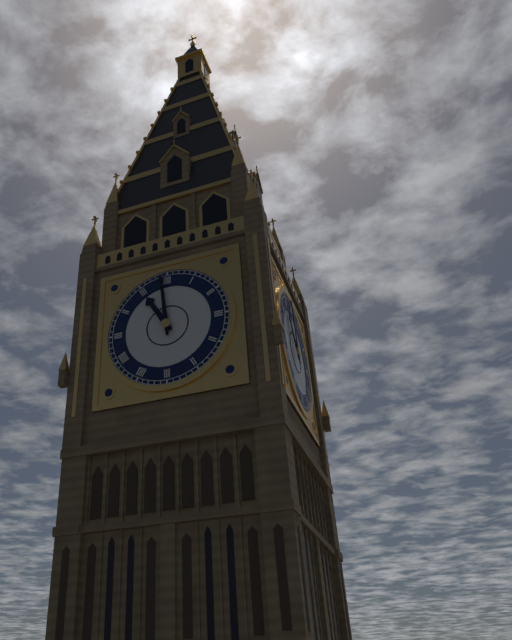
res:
h=10 m=59
